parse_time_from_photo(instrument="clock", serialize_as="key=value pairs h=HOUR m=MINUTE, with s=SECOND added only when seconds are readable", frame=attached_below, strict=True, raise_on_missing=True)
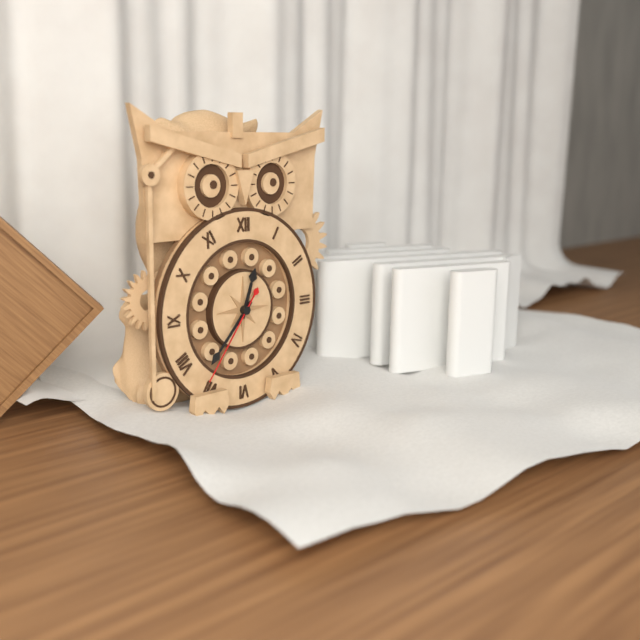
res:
h=12 m=37 s=36
